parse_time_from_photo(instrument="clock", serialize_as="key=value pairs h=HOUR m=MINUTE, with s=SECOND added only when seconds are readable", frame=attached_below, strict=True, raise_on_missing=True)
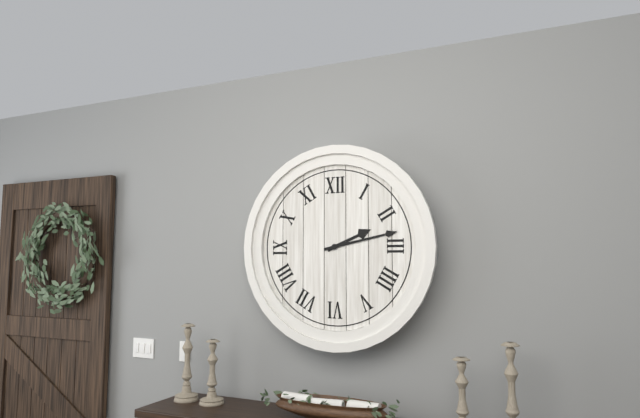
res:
h=2 m=13
